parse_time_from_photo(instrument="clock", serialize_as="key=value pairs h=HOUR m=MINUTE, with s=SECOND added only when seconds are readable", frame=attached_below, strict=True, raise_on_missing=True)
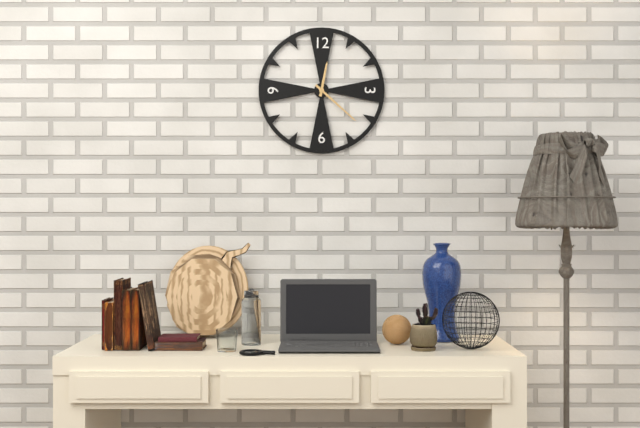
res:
h=12 m=22
